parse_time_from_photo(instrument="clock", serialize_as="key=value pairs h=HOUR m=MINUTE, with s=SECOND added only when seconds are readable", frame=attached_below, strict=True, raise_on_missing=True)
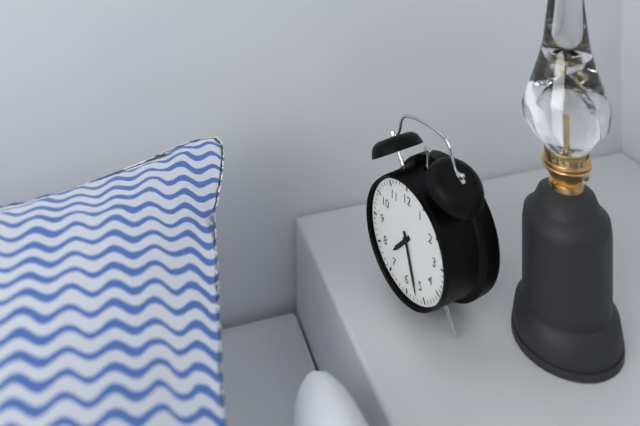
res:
h=7 m=27
